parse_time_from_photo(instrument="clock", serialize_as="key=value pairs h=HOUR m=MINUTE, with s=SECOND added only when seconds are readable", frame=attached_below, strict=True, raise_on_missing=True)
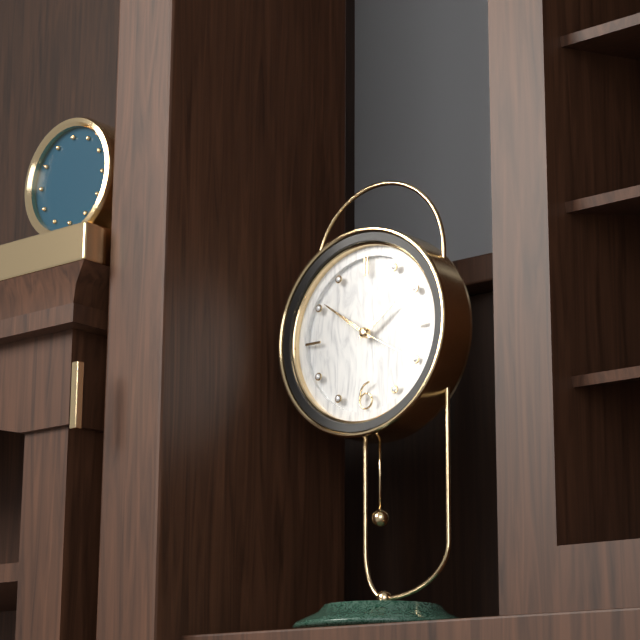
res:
h=1 m=51 s=20
